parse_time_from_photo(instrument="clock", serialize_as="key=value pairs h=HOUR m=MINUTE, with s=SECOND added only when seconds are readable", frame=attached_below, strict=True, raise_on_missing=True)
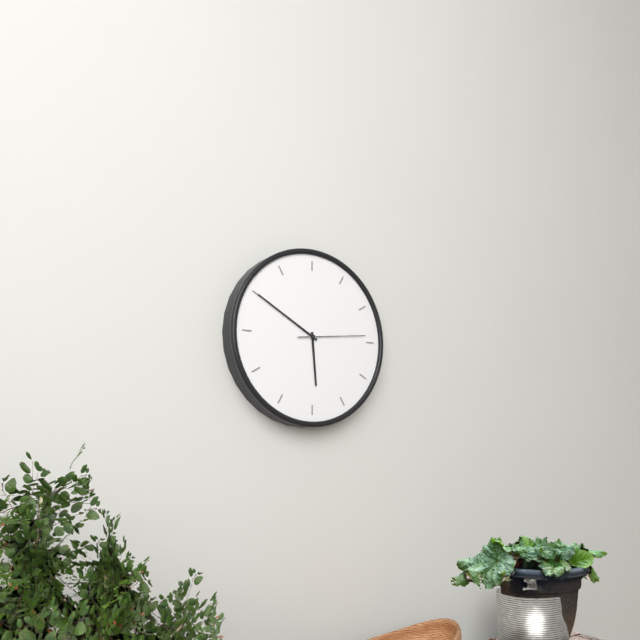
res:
h=5 m=50 s=14
